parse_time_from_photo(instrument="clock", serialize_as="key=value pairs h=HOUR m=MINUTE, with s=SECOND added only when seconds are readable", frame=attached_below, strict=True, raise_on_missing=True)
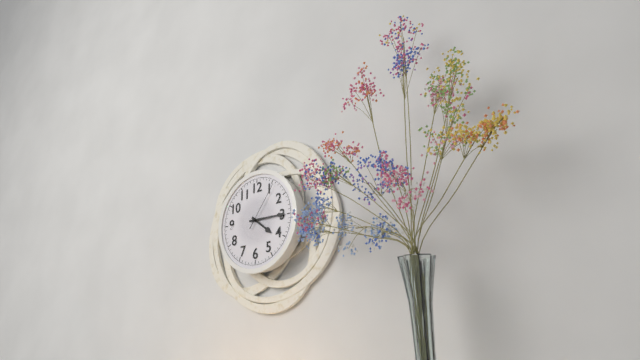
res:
h=4 m=15 s=6
